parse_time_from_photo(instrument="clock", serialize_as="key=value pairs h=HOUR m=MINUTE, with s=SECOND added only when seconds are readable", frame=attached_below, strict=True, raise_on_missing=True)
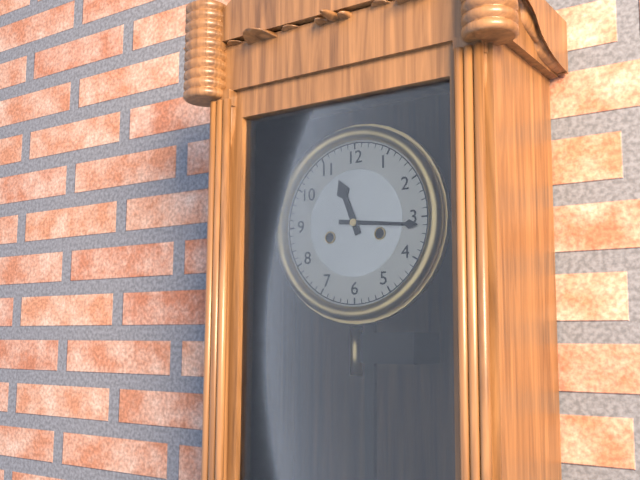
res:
h=11 m=16
